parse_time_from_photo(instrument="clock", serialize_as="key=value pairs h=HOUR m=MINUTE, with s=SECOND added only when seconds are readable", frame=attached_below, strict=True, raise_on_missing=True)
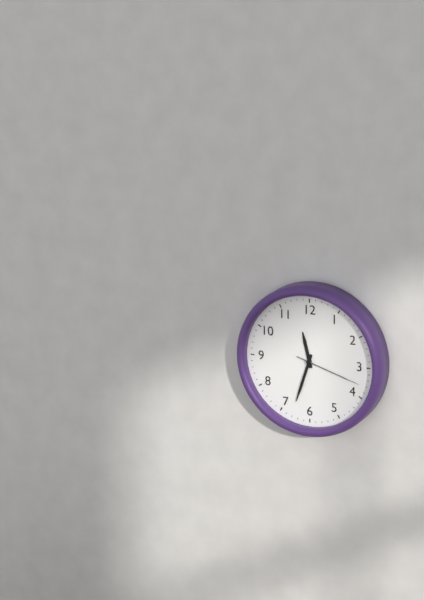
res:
h=11 m=33 s=18
